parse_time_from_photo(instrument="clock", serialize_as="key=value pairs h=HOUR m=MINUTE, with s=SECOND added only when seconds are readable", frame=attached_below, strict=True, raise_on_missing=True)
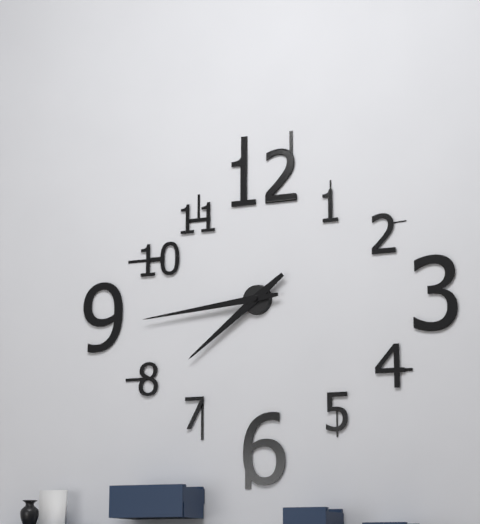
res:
h=7 m=44
